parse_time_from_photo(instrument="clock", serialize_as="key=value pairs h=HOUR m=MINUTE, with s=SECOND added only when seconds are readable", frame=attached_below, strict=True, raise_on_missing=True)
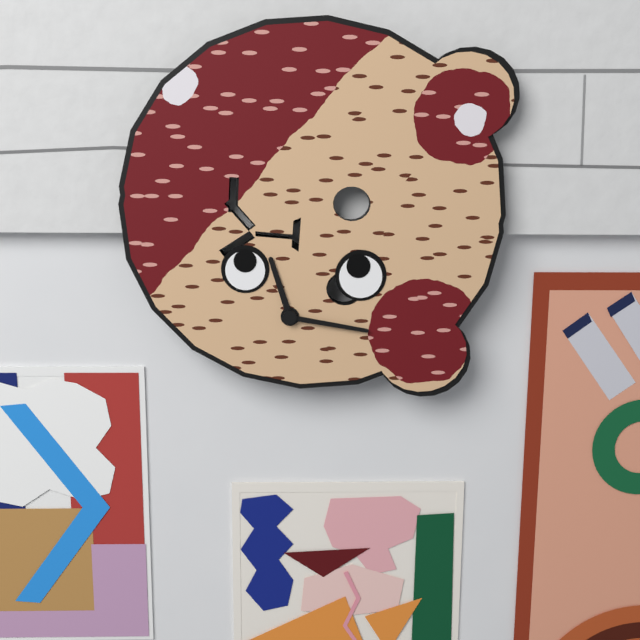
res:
h=11 m=16
